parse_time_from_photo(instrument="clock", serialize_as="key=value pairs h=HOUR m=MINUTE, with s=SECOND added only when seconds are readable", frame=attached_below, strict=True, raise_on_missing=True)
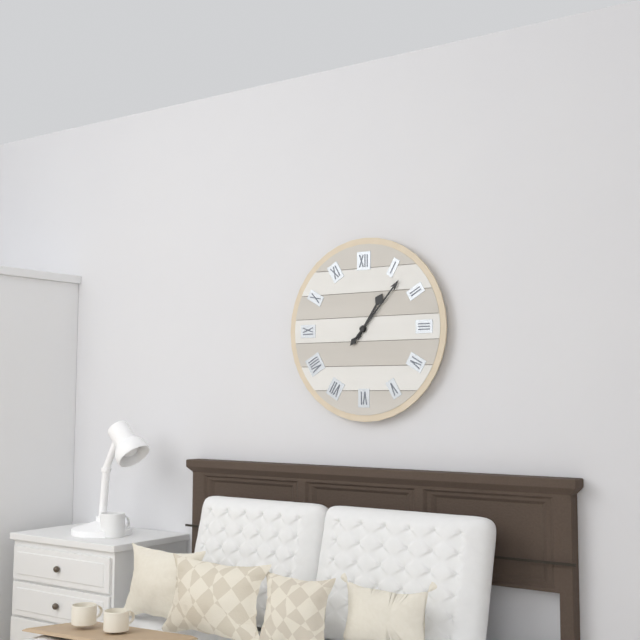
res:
h=1 m=7
